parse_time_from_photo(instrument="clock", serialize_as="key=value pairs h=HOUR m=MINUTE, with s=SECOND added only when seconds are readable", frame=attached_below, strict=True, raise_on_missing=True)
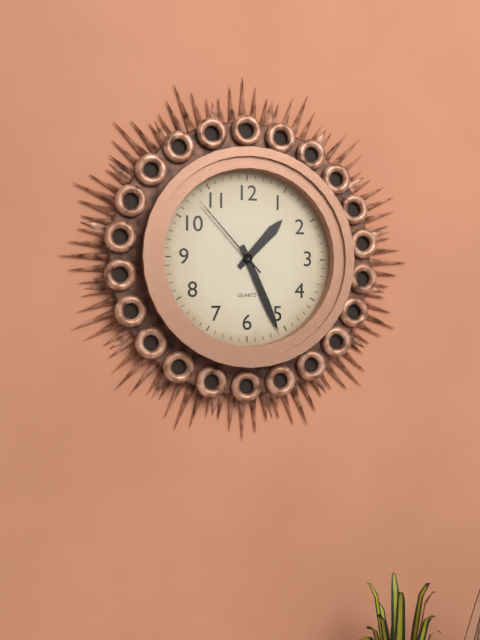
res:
h=1 m=26 s=53
